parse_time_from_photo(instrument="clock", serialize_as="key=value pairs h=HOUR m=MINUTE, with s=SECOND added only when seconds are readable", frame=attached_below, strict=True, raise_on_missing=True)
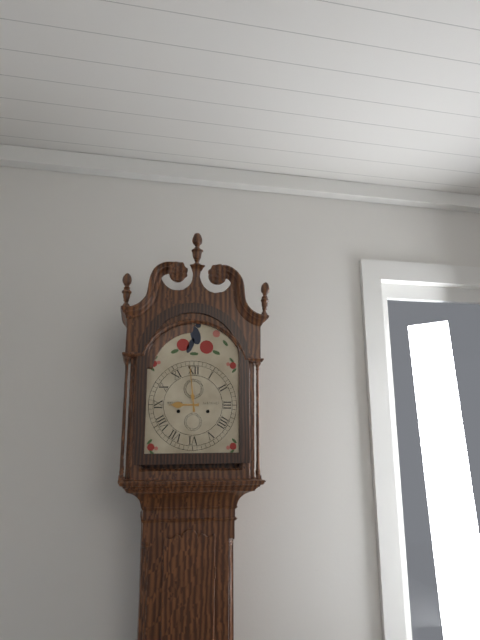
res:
h=8 m=59
